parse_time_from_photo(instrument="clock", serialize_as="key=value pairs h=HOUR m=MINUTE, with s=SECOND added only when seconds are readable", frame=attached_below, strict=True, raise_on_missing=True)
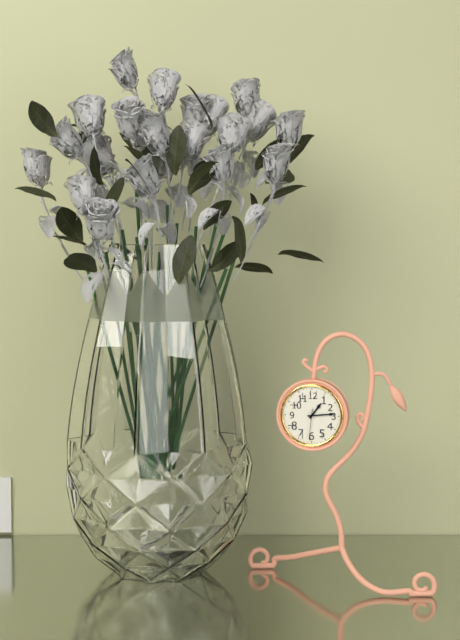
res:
h=1 m=14
